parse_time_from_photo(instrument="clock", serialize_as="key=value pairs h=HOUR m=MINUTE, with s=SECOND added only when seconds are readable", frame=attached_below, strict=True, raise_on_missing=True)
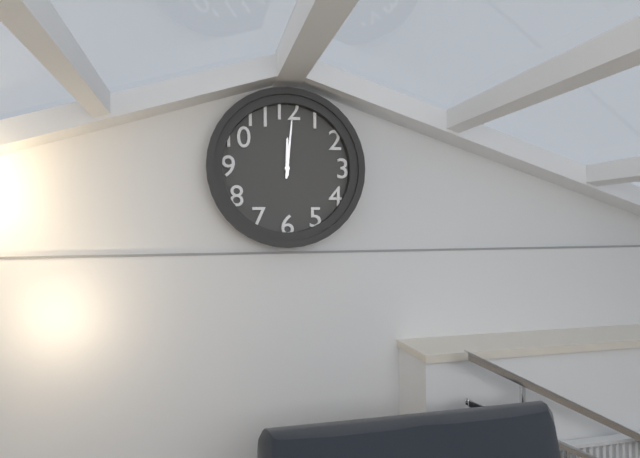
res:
h=12 m=1
